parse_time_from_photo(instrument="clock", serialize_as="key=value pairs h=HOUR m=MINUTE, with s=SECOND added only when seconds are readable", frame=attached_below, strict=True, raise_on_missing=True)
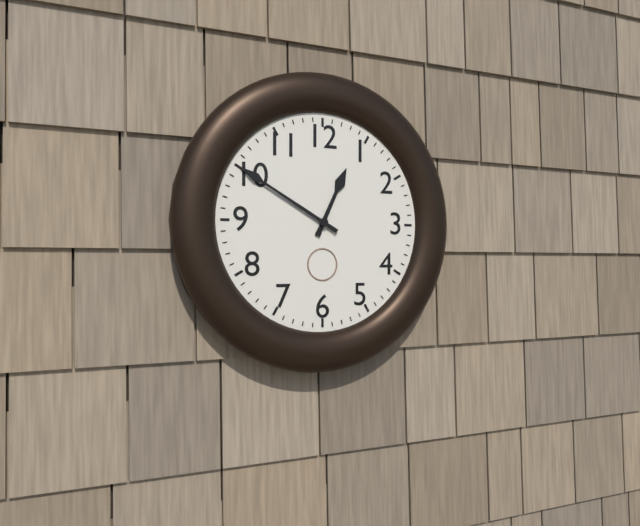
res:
h=12 m=50
